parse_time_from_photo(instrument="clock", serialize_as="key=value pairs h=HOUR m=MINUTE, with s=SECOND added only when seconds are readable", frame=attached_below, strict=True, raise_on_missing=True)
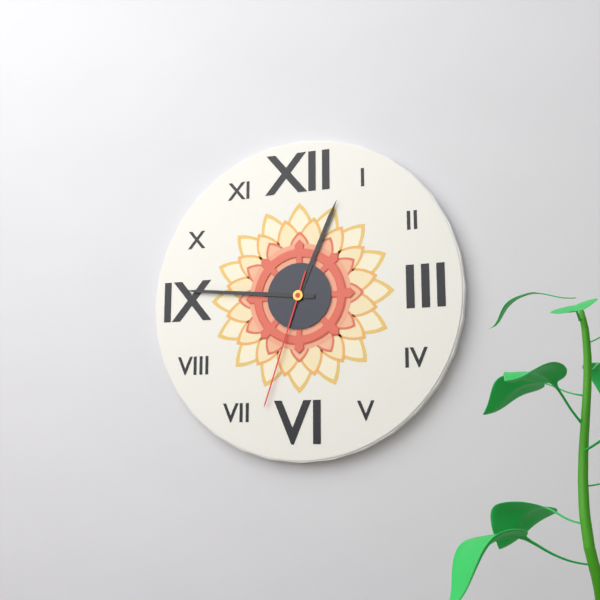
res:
h=12 m=46 s=33
